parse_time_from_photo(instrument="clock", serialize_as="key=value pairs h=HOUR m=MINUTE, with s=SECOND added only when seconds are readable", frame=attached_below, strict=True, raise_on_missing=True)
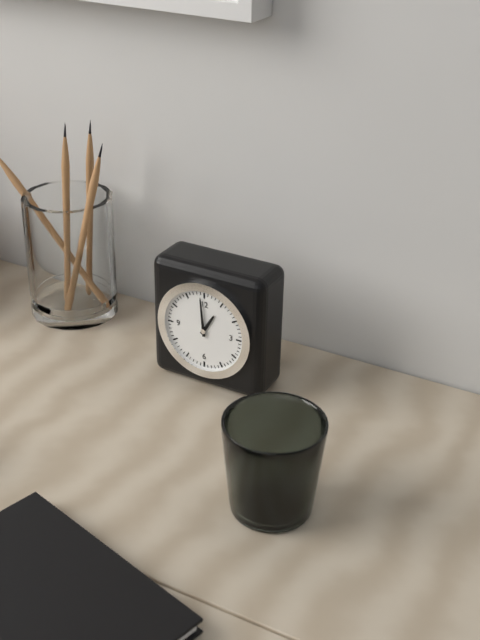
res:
h=12 m=59
